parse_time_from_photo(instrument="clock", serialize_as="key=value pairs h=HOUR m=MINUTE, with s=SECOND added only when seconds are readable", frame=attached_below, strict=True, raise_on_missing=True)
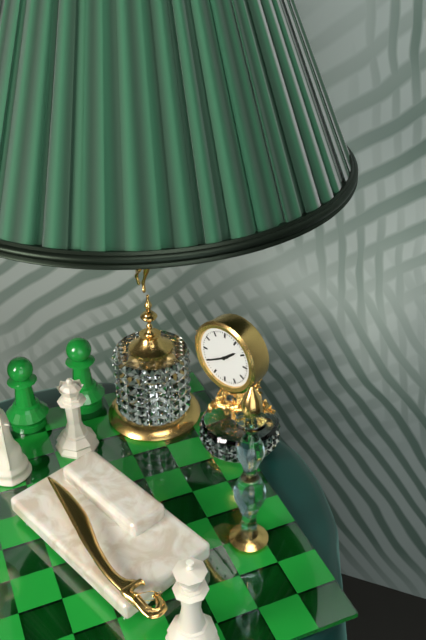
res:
h=1 m=40
